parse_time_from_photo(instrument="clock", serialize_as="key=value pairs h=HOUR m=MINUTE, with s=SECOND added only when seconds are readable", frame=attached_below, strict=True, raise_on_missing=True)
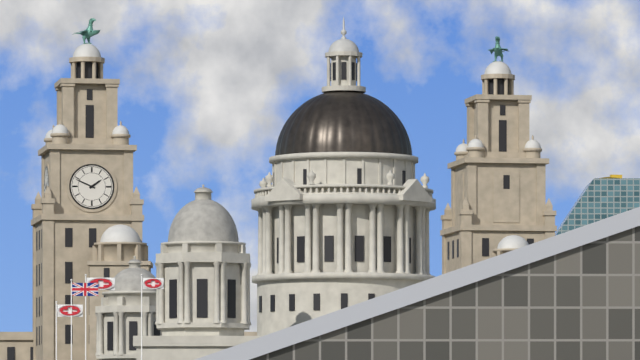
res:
h=1 m=49
